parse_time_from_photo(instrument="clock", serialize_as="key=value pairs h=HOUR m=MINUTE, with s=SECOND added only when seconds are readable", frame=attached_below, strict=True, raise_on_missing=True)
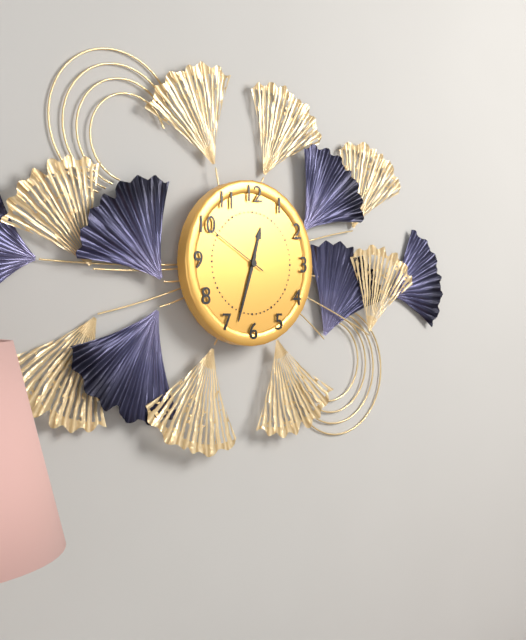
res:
h=12 m=33 s=50
